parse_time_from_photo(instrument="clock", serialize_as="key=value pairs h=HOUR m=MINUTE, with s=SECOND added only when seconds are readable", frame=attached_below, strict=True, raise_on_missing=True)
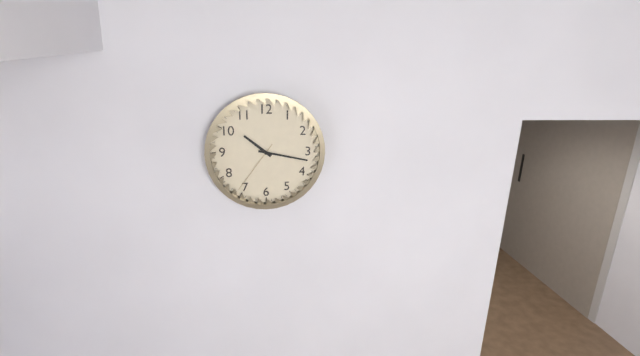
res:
h=10 m=17 s=36
